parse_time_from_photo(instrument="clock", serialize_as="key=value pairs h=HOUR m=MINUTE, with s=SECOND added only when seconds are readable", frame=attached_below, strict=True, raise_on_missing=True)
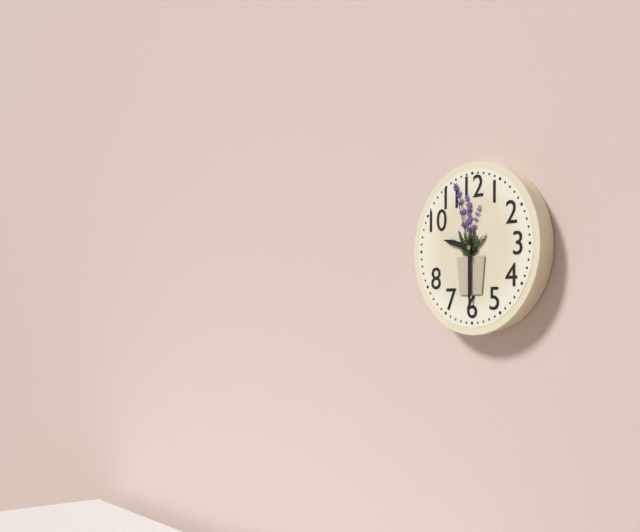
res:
h=9 m=30 s=57
